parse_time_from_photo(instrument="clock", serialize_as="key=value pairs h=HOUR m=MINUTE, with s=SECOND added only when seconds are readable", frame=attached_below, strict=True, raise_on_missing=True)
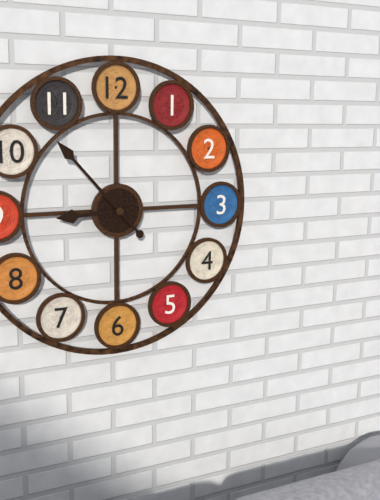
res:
h=8 m=53
